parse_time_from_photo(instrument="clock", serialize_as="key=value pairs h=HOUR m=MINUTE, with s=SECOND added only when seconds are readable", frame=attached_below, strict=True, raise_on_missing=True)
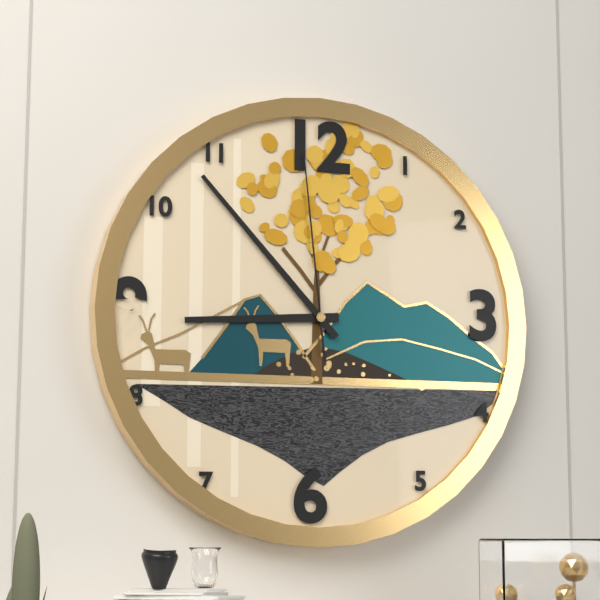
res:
h=8 m=53 s=59
